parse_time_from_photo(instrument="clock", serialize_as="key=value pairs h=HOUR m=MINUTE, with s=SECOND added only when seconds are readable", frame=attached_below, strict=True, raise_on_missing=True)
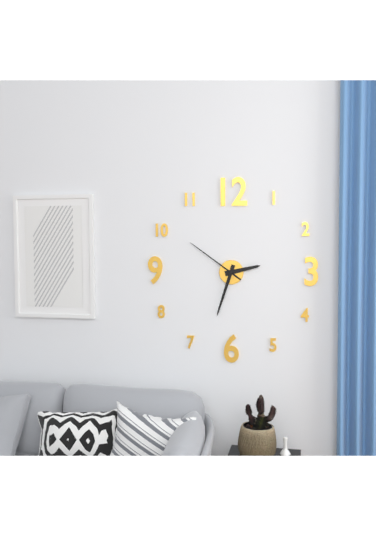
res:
h=2 m=33 s=51
